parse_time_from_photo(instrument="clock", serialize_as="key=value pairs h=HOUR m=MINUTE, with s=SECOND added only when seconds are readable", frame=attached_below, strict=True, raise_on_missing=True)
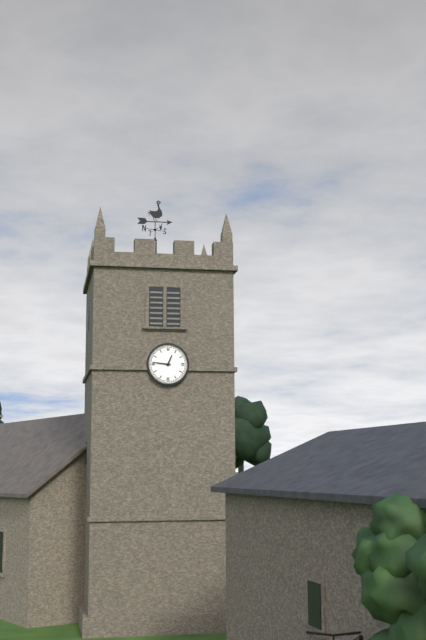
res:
h=12 m=46
